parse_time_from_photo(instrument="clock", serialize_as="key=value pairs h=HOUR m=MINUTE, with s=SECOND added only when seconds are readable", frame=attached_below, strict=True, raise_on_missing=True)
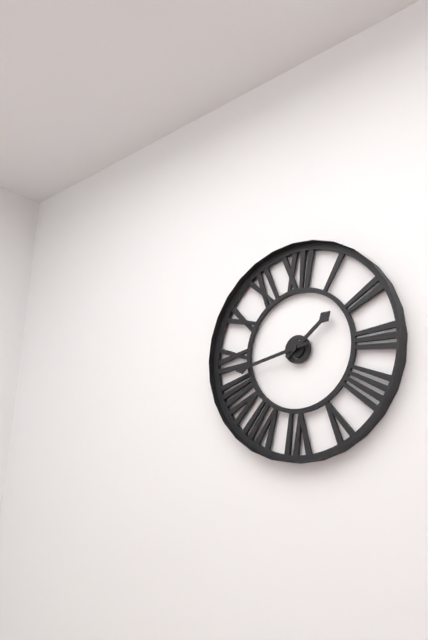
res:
h=1 m=43
